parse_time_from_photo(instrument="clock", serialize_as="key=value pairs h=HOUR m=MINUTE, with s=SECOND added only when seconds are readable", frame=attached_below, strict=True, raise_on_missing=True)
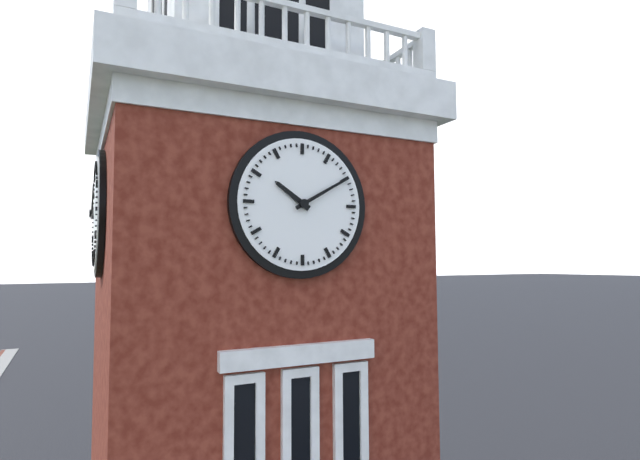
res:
h=10 m=10
